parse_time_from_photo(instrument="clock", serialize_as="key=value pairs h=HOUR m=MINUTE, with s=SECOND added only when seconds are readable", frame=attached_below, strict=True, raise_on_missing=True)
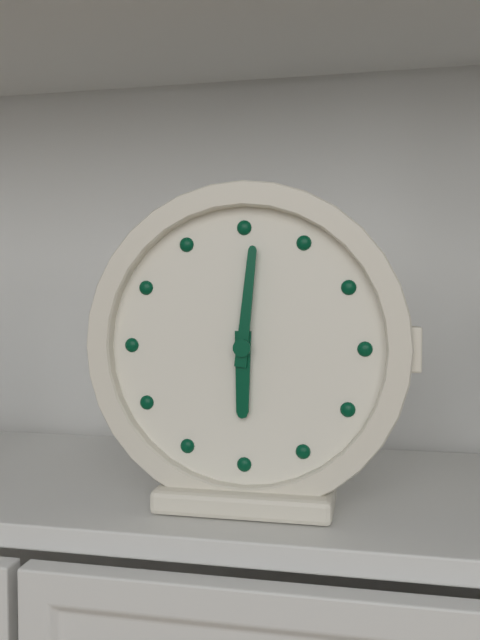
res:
h=6 m=1
